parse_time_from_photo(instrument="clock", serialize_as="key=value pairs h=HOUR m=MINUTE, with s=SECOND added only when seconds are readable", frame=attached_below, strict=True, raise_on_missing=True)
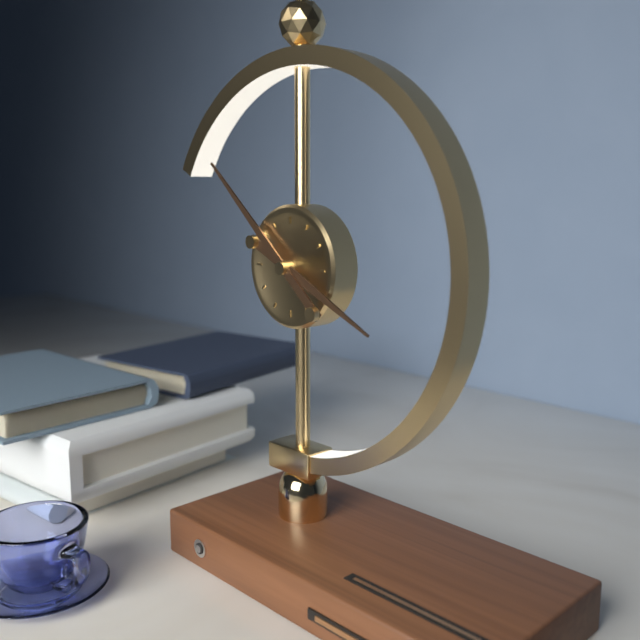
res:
h=3 m=52
